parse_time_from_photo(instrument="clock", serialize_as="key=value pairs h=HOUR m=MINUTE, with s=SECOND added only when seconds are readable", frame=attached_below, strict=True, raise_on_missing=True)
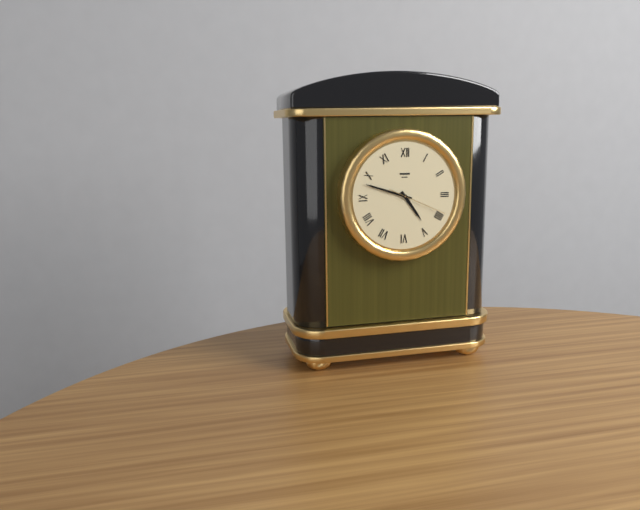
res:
h=4 m=48 s=19
